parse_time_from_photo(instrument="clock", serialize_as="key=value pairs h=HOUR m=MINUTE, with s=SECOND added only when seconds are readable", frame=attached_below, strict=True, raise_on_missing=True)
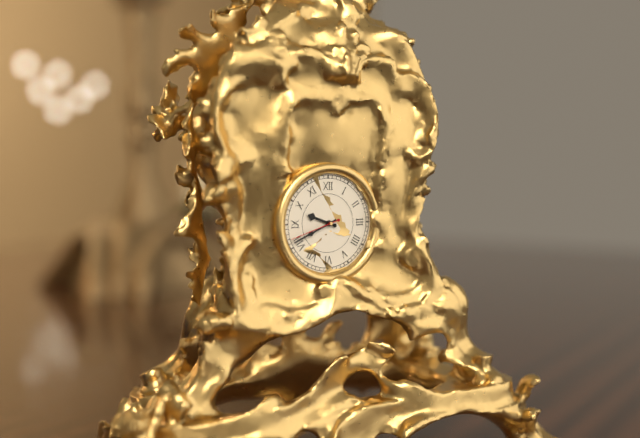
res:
h=9 m=41
